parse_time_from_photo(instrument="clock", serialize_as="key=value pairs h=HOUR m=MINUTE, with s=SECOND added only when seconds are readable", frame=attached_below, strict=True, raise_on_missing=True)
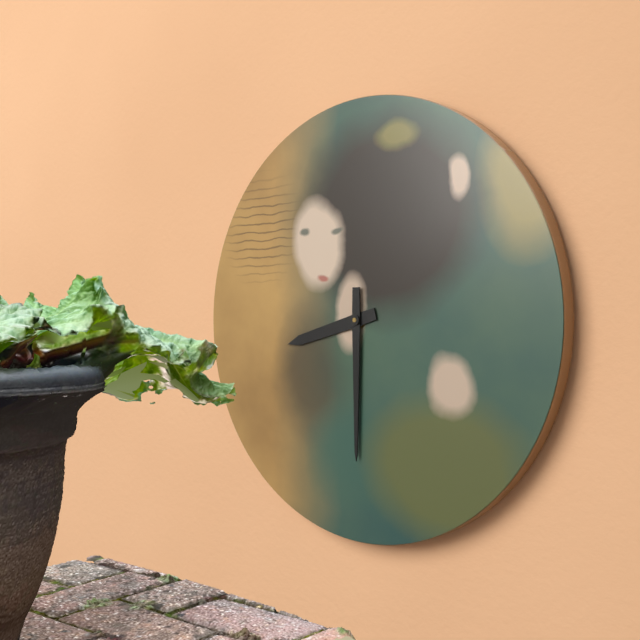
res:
h=8 m=30
